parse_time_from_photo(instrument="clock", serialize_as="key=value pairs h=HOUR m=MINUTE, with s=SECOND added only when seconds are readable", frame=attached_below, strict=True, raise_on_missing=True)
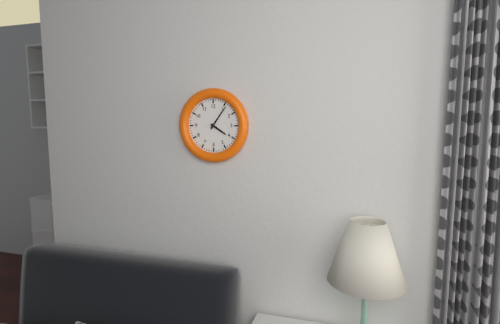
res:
h=4 m=6
